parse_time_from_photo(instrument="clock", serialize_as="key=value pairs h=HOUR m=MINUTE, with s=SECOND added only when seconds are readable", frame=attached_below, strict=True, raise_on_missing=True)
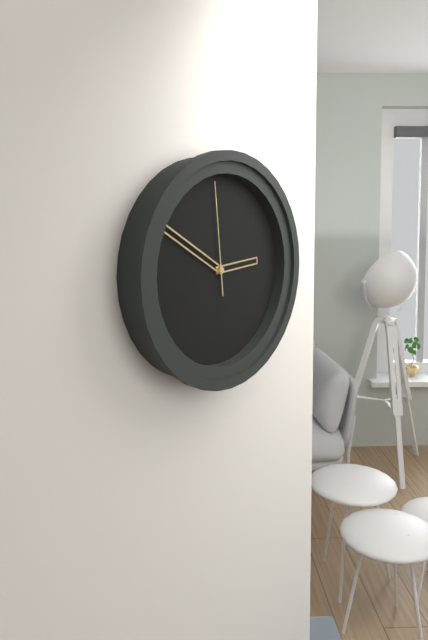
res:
h=2 m=50 s=59
